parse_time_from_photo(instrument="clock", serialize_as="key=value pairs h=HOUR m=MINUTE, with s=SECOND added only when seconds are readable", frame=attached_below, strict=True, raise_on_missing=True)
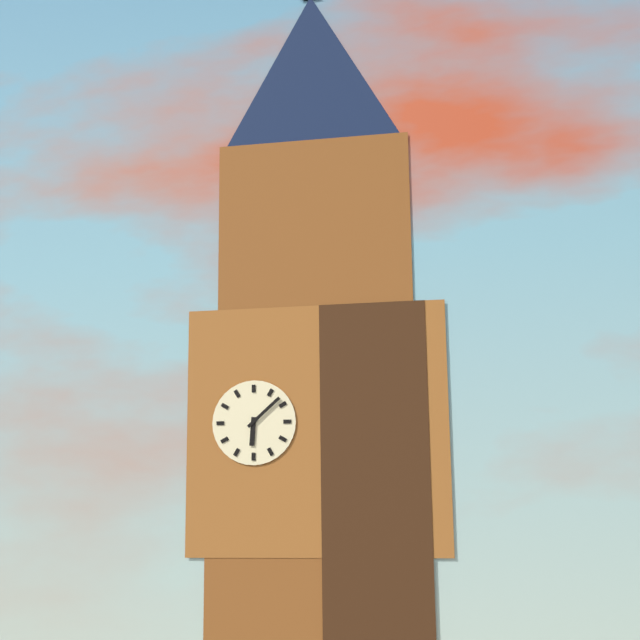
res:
h=6 m=8
